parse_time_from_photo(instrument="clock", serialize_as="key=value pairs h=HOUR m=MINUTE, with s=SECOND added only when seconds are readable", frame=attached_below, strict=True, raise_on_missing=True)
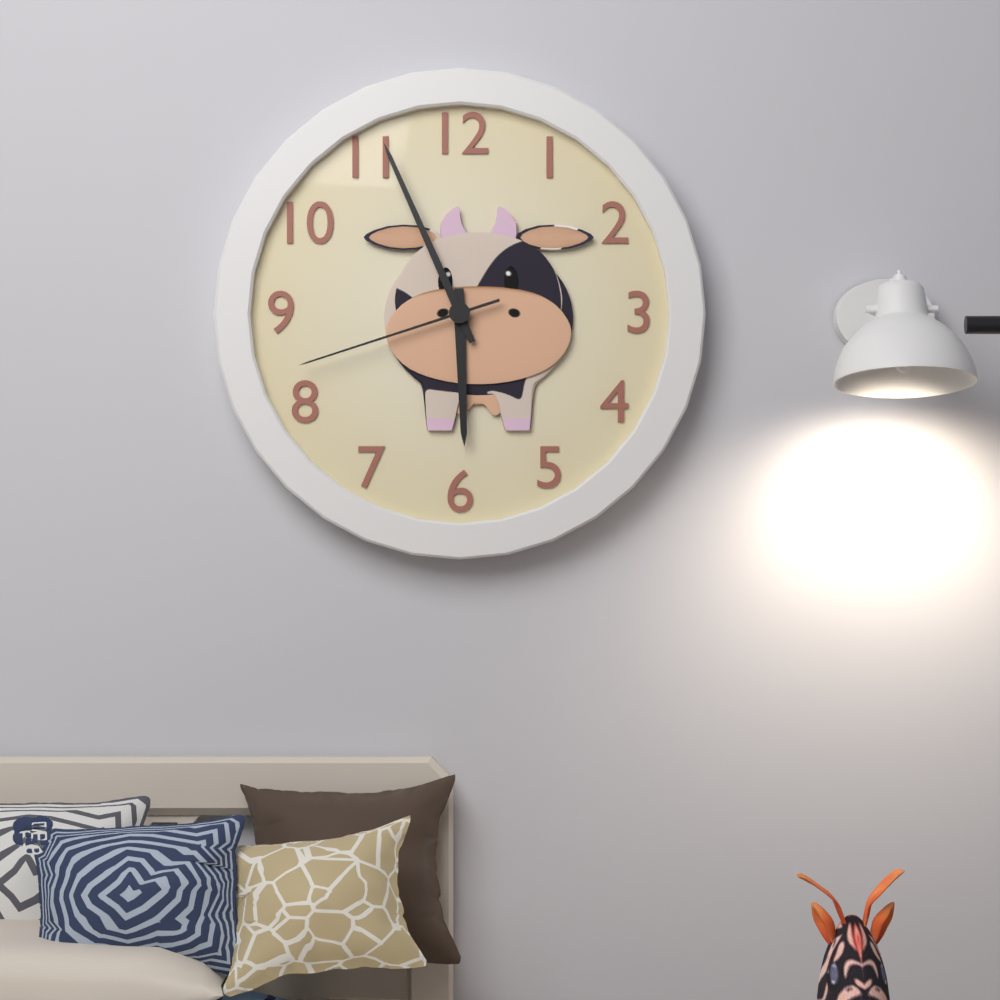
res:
h=5 m=56 s=42
